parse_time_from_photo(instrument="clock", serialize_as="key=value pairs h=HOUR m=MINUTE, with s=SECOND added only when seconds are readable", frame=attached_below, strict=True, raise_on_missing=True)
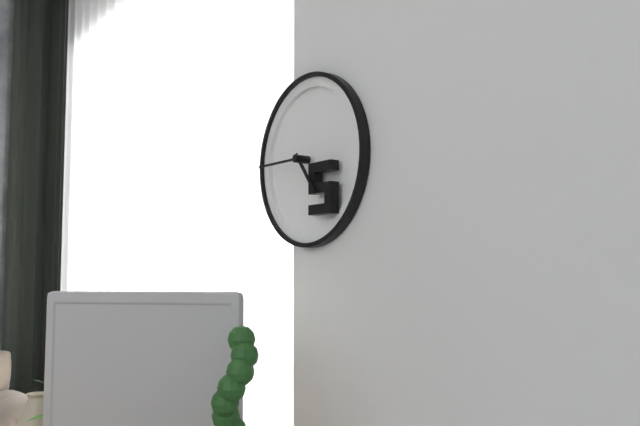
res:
h=4 m=45
